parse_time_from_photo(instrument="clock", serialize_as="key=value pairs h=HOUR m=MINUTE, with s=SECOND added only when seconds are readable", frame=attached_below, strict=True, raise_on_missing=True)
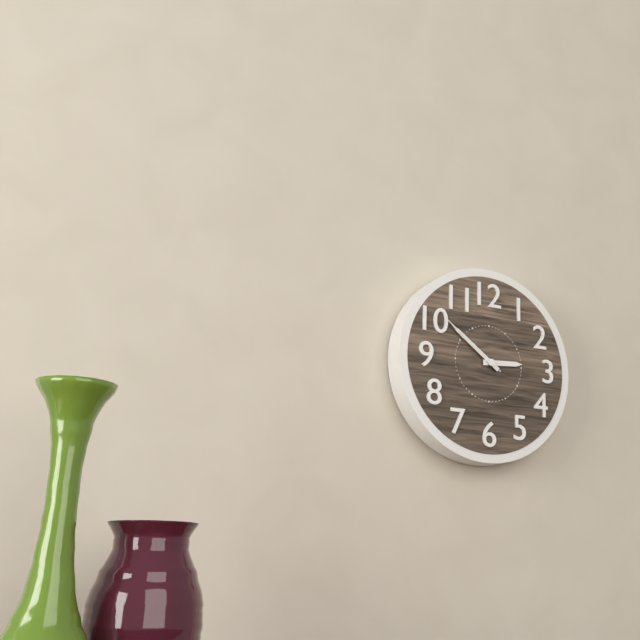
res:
h=2 m=51 s=51
